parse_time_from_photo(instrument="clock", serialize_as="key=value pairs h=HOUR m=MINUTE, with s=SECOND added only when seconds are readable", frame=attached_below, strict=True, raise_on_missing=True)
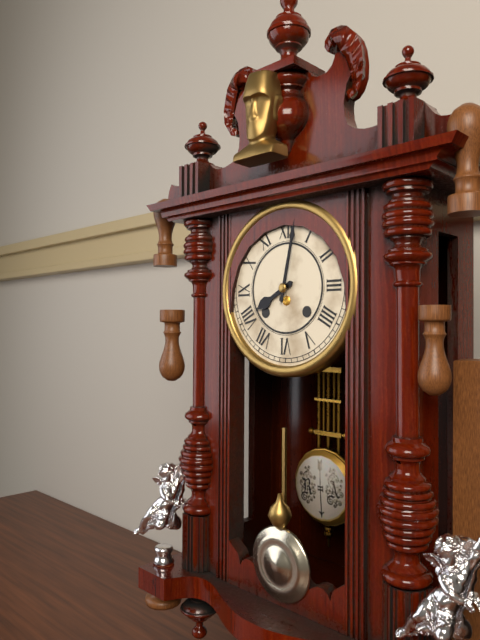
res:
h=8 m=2
